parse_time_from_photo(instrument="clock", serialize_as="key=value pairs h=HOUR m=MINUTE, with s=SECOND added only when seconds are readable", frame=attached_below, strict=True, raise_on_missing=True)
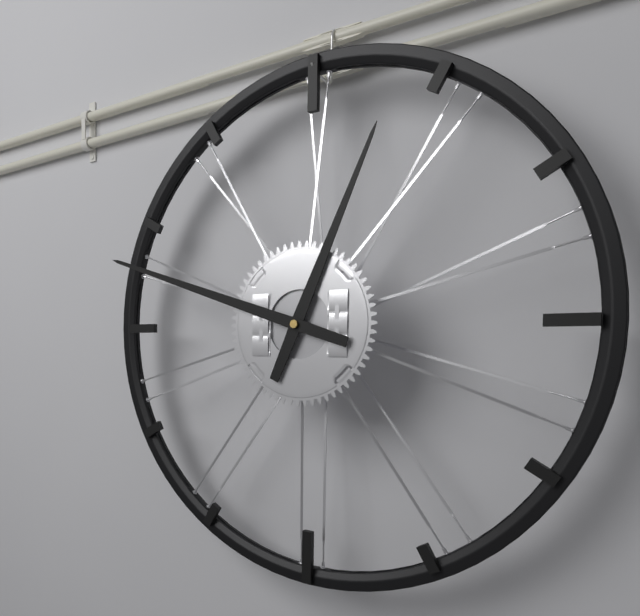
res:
h=12 m=48
